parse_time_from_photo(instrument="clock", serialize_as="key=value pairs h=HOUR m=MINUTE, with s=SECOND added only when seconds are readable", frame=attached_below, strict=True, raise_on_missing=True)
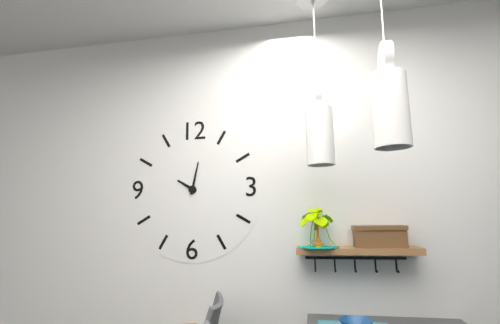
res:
h=10 m=2
